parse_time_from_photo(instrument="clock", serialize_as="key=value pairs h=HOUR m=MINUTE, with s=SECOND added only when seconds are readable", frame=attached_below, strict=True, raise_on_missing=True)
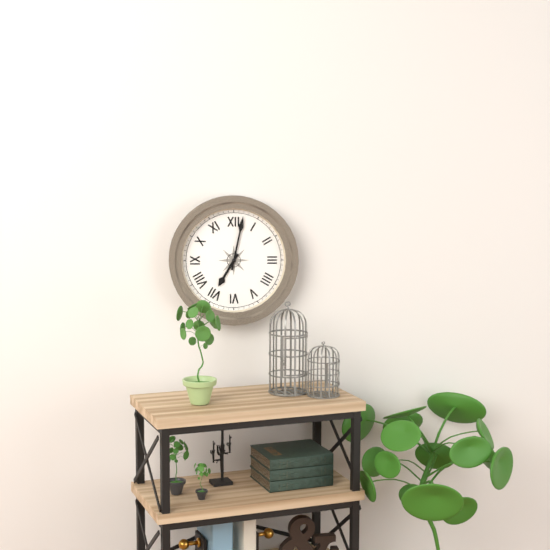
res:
h=7 m=2
